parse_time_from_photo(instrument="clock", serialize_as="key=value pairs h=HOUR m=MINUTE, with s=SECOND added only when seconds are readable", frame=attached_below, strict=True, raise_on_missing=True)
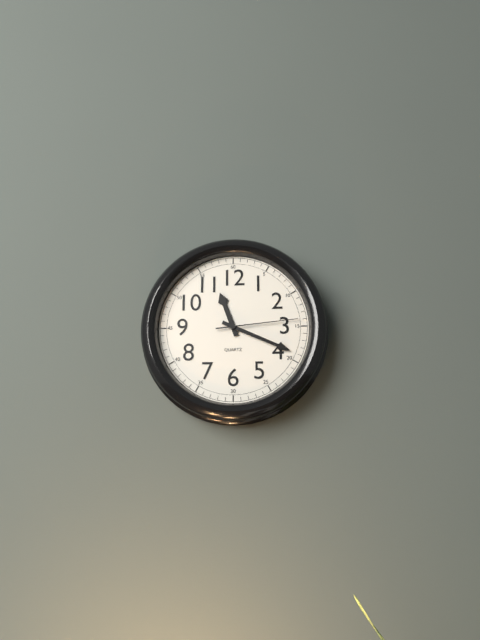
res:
h=11 m=19 s=14
